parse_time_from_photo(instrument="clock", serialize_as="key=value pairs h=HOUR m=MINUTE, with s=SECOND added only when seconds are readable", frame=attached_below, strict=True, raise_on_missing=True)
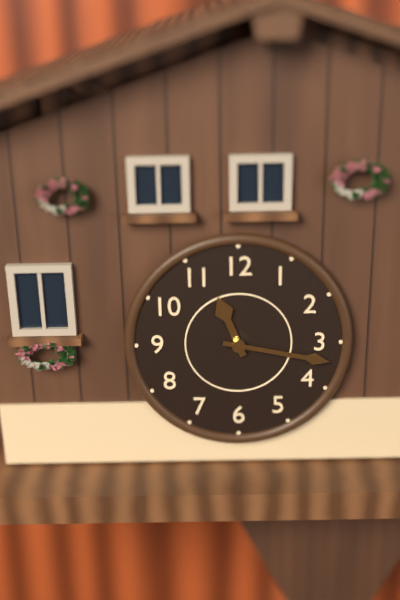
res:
h=11 m=17
